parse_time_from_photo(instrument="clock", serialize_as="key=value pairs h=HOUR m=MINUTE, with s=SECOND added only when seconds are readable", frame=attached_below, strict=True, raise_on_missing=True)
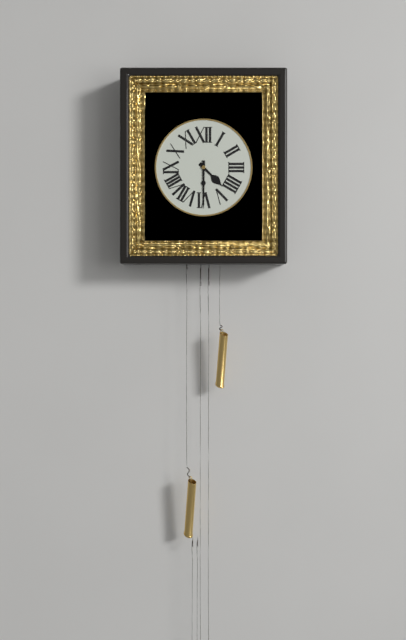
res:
h=4 m=30
